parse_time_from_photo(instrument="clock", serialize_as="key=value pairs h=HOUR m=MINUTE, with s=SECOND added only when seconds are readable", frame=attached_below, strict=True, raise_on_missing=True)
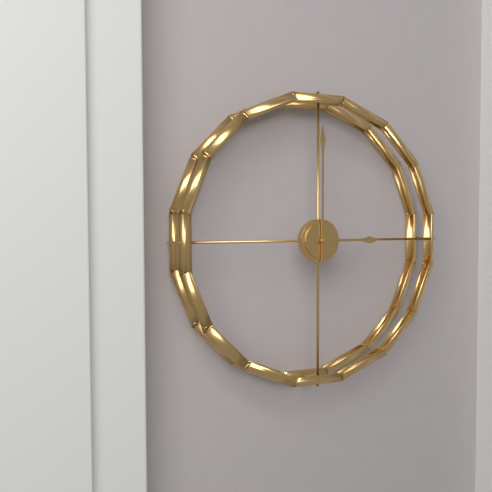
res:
h=3 m=0
